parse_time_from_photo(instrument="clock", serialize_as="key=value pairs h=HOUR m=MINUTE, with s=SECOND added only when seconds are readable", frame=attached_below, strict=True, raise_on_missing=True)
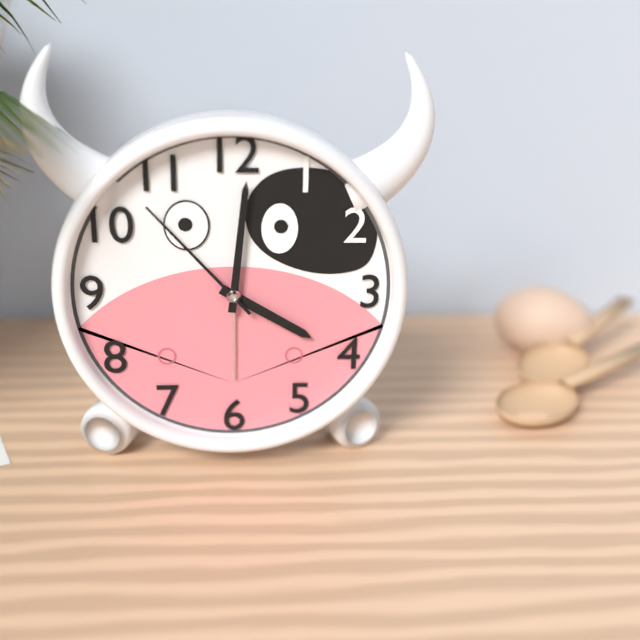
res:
h=4 m=1 s=53
